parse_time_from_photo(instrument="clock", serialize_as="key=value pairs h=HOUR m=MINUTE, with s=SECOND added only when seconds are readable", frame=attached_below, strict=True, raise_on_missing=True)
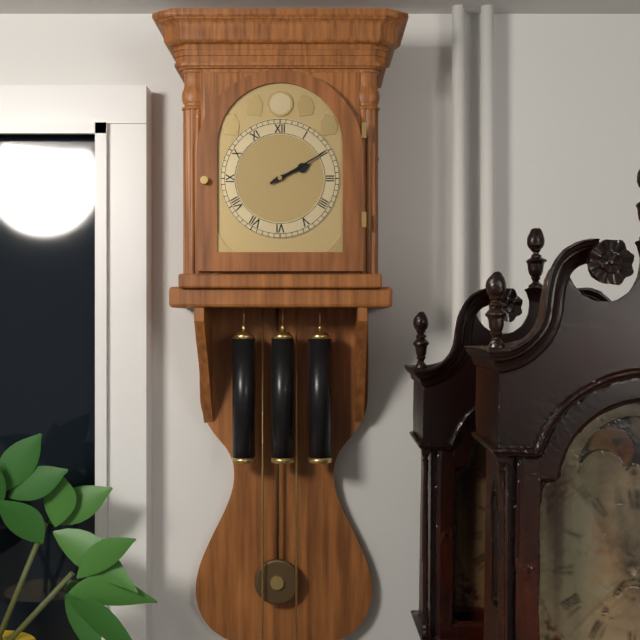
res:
h=2 m=10
